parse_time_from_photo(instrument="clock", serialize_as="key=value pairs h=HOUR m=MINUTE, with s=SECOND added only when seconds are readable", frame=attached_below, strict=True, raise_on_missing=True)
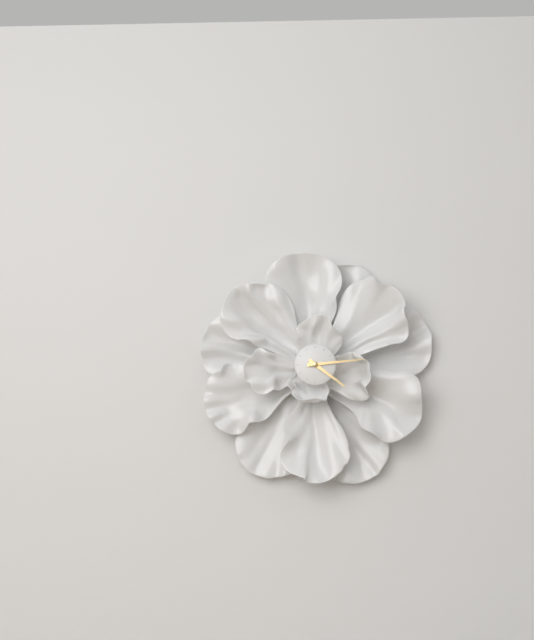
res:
h=4 m=14
